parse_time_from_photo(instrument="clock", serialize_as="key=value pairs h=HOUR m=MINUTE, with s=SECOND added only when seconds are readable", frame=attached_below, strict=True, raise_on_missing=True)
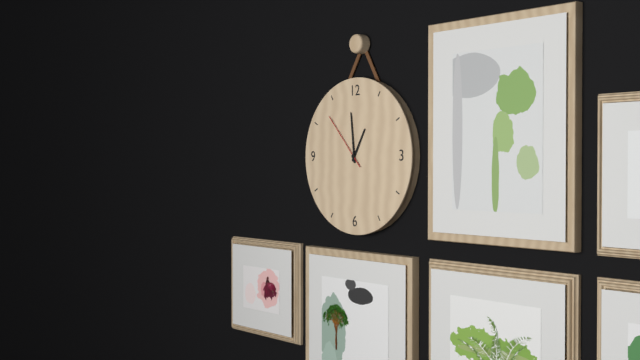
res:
h=12 m=59 s=53
